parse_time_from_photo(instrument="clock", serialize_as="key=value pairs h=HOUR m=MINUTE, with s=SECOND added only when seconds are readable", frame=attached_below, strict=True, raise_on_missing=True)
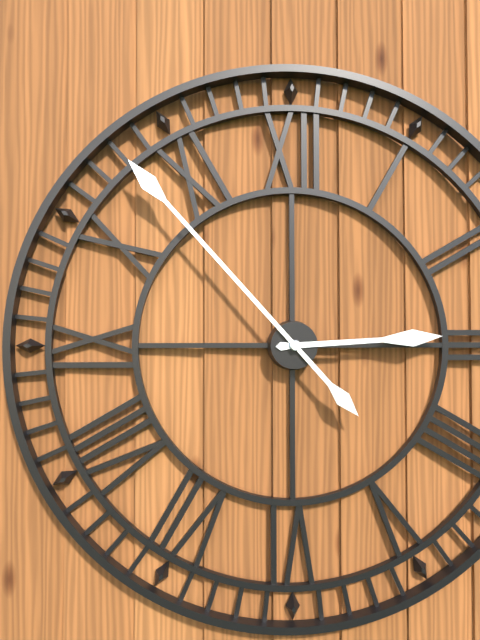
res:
h=2 m=53
